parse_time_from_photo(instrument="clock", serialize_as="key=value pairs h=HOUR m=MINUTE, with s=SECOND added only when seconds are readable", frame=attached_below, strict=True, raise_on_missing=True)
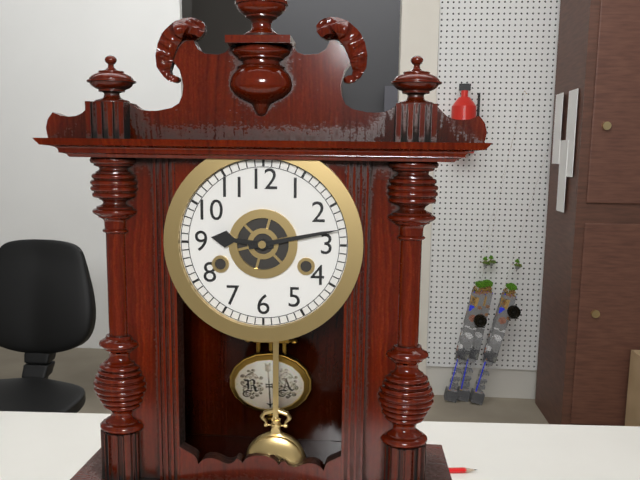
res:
h=9 m=13
